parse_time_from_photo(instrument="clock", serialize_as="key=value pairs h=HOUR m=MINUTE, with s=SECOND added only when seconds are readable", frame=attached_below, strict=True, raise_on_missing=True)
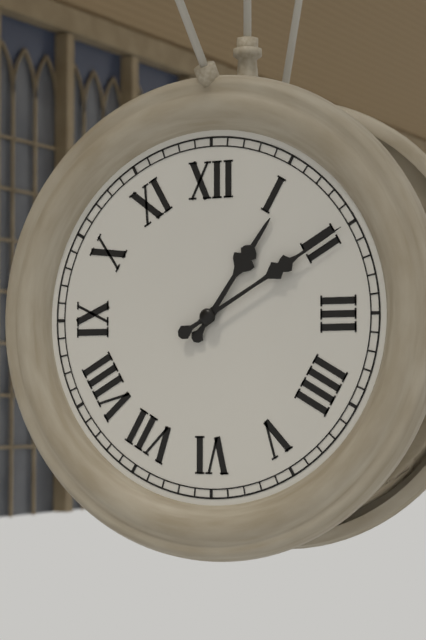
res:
h=1 m=10
